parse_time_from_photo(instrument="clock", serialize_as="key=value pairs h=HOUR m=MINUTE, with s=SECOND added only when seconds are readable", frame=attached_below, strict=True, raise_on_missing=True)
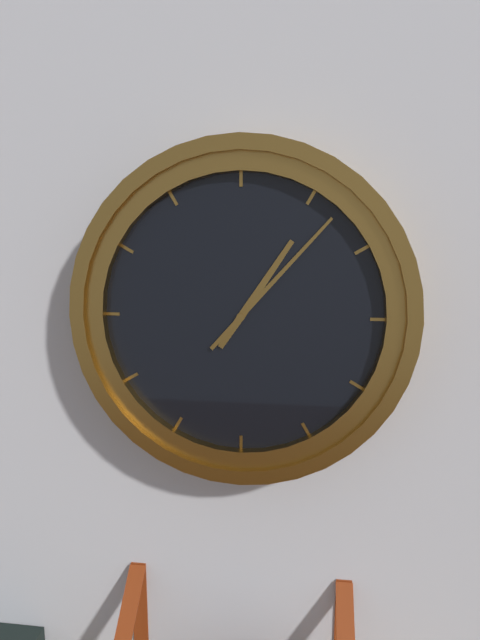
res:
h=1 m=7
